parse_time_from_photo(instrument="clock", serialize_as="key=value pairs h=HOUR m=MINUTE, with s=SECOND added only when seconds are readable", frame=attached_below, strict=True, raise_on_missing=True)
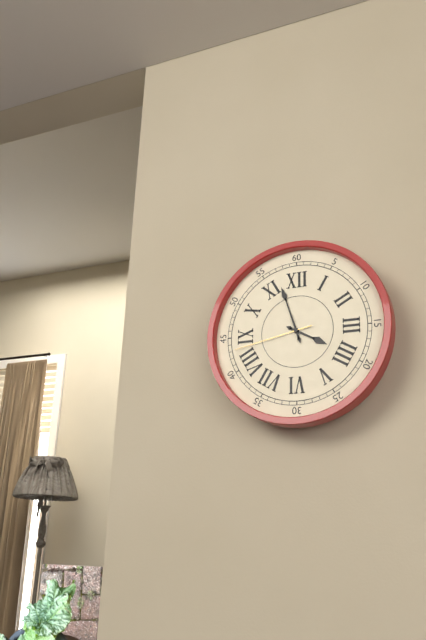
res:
h=3 m=57 s=43
